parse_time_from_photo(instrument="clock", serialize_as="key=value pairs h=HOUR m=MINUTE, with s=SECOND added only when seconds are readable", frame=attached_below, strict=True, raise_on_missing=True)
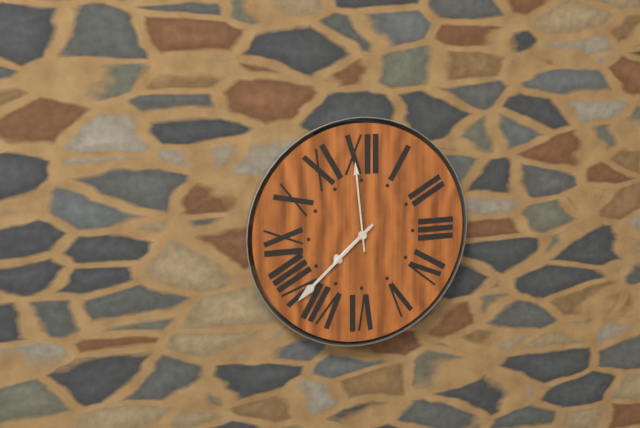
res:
h=7 m=38 s=59
